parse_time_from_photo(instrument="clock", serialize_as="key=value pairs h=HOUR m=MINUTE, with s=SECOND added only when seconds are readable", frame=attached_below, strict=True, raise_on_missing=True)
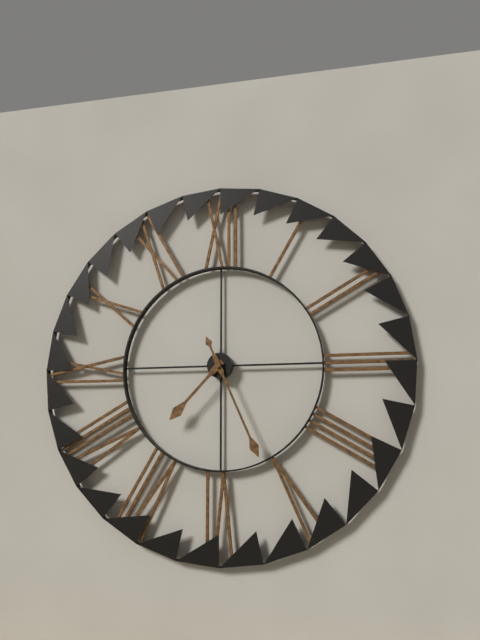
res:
h=7 m=26
